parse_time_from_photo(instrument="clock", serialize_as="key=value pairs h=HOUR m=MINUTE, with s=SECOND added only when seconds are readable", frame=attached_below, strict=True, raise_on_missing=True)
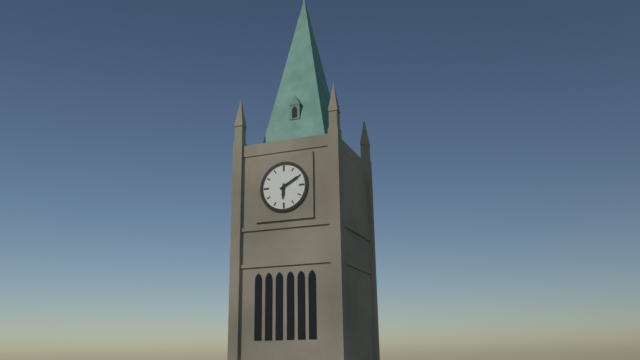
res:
h=6 m=10
